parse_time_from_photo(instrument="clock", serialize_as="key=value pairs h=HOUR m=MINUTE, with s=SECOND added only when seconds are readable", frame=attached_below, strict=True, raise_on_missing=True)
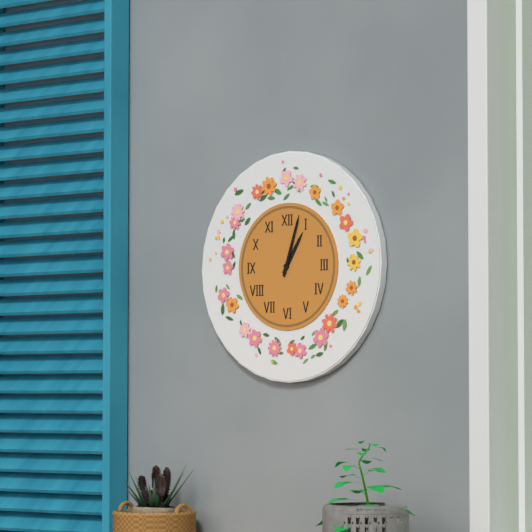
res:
h=1 m=3
